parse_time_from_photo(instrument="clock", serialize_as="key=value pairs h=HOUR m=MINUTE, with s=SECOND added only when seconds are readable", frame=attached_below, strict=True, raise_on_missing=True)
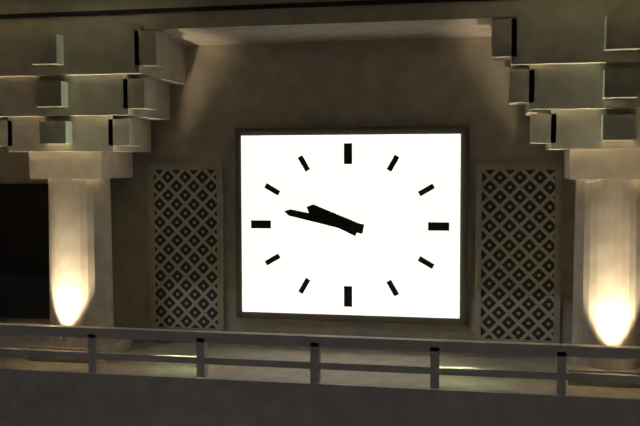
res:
h=9 m=47
